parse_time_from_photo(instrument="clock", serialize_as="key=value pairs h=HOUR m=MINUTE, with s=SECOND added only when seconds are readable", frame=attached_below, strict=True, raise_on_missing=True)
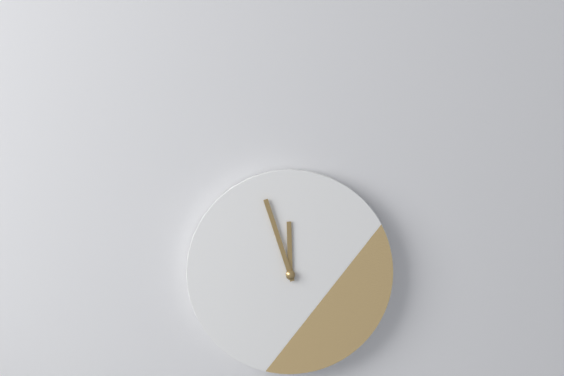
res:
h=11 m=57
